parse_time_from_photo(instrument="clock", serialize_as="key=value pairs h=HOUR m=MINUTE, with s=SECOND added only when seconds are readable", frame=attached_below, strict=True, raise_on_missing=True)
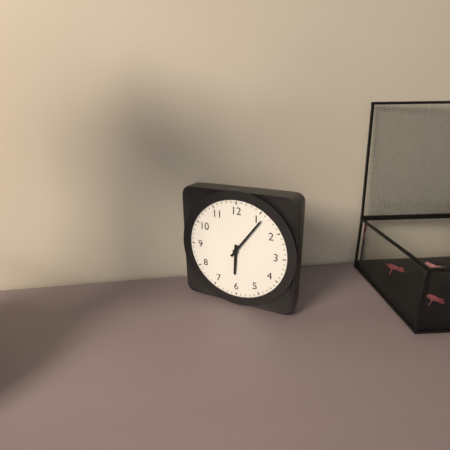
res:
h=6 m=6
